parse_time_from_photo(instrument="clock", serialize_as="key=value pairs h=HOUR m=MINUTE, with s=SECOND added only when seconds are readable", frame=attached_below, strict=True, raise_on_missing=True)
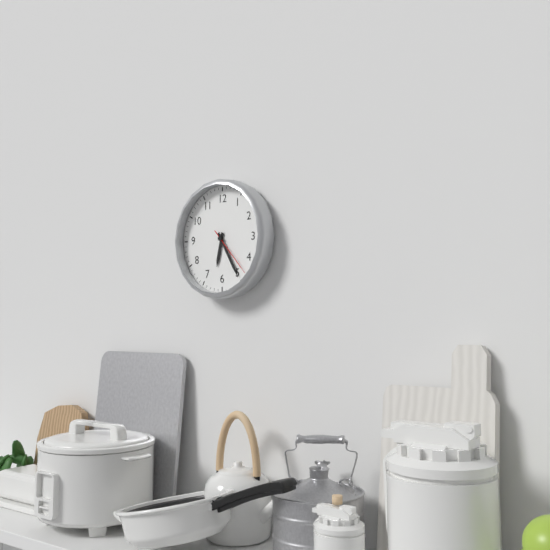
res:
h=6 m=25 s=23
